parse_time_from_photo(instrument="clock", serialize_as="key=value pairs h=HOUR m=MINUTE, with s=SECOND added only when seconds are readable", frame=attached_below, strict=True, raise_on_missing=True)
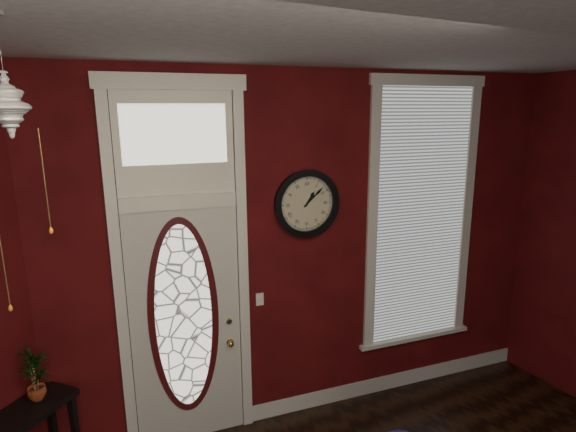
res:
h=1 m=8
